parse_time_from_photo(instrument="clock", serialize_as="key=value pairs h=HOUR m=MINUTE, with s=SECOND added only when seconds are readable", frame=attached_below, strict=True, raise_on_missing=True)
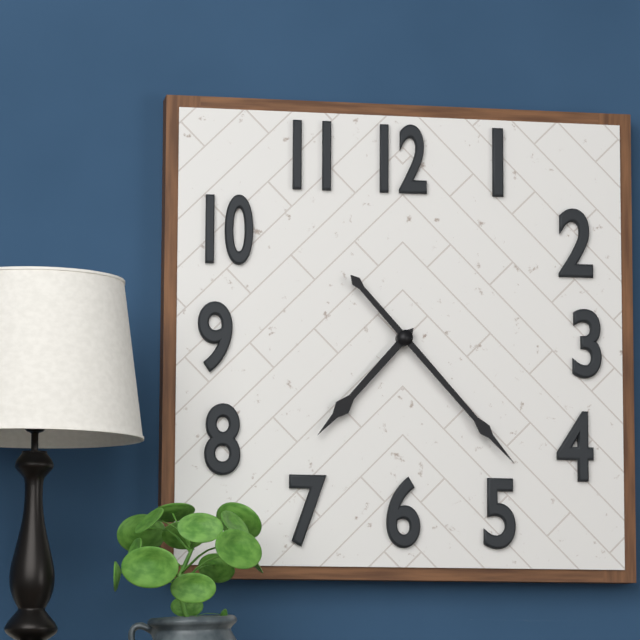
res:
h=7 m=23
